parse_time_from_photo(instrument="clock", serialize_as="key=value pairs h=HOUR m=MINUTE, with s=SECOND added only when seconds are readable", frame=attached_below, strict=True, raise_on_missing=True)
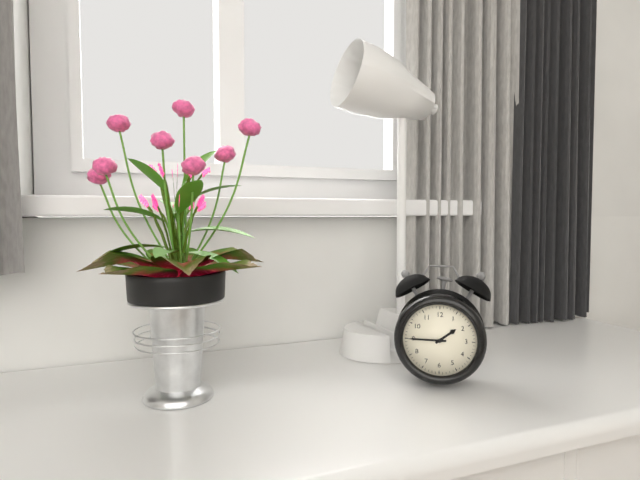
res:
h=1 m=45
